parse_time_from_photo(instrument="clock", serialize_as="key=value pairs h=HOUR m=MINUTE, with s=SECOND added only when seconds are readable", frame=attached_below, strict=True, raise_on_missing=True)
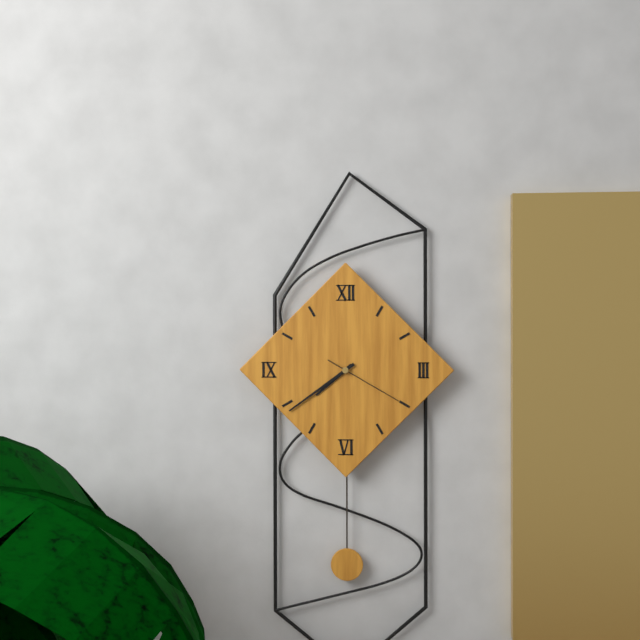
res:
h=7 m=39 s=20
